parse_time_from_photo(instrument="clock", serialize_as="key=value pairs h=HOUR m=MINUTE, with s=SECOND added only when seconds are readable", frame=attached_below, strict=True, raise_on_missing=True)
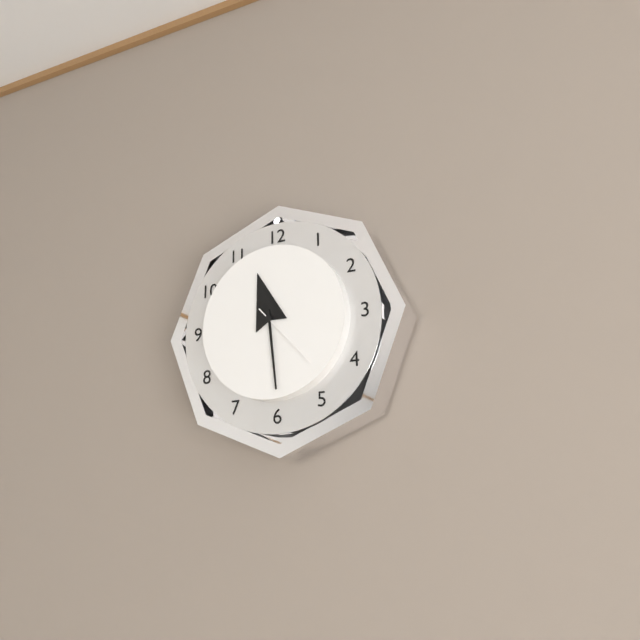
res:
h=11 m=29 s=23
